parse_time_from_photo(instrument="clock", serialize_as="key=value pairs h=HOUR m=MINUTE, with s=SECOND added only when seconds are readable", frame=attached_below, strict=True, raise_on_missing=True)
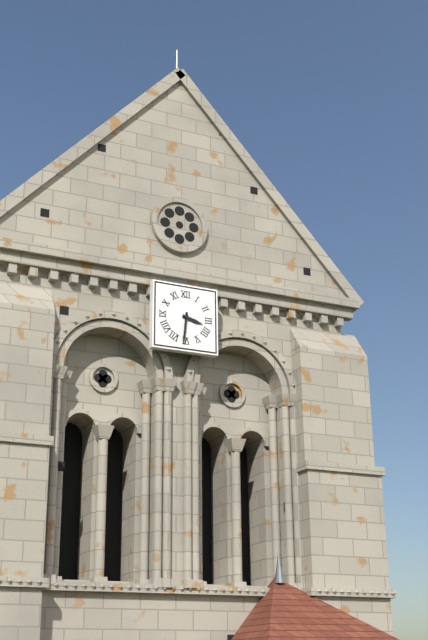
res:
h=3 m=31
